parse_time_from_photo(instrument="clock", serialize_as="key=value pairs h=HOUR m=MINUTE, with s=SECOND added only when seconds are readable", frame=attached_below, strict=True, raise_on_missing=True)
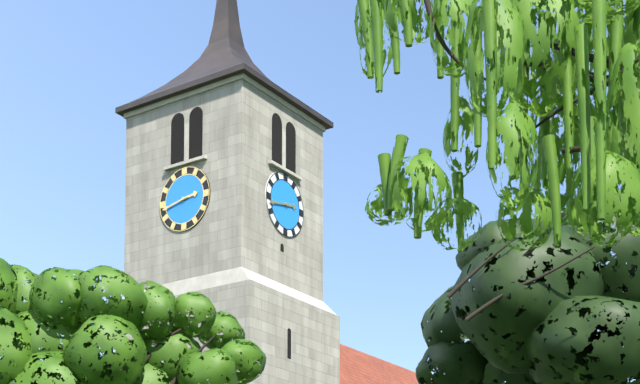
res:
h=2 m=43
